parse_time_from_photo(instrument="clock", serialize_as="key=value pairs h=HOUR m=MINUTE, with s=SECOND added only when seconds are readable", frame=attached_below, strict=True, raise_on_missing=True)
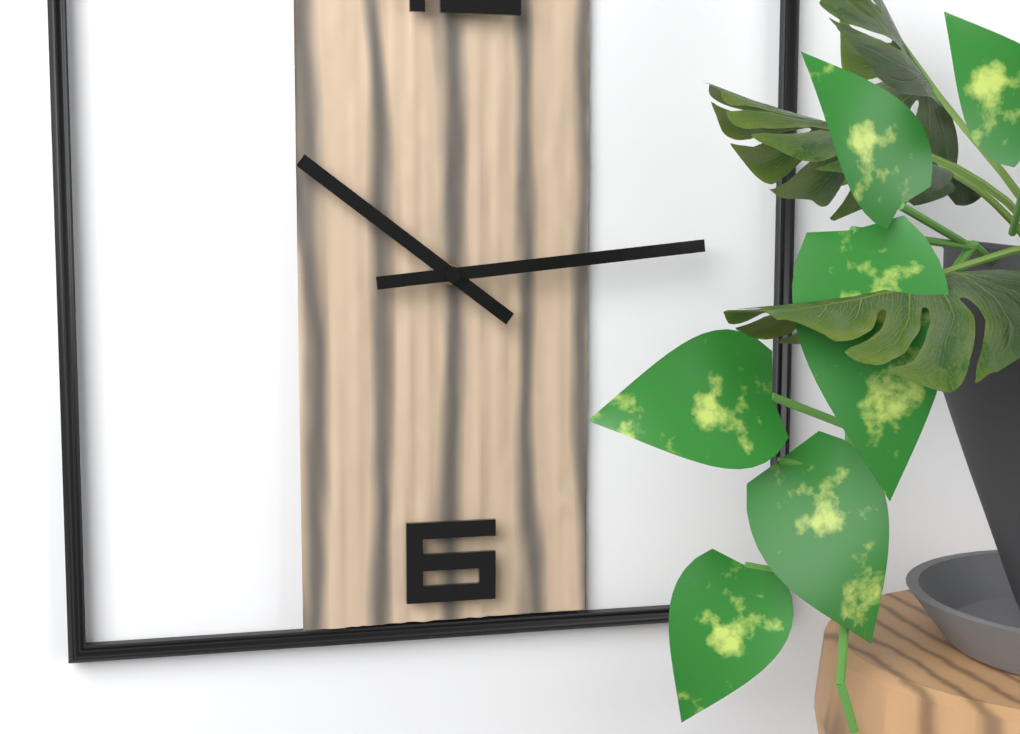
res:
h=10 m=14
